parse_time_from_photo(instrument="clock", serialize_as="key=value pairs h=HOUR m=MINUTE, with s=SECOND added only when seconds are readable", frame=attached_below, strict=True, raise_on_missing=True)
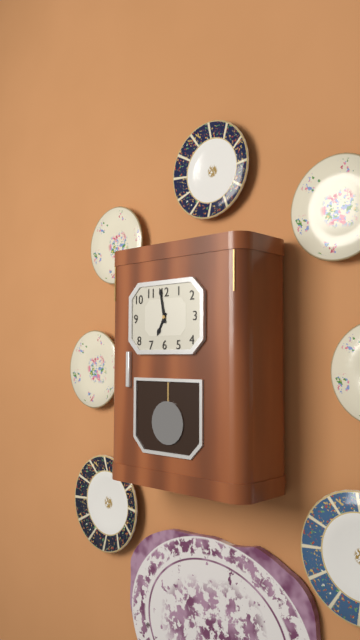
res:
h=6 m=58
